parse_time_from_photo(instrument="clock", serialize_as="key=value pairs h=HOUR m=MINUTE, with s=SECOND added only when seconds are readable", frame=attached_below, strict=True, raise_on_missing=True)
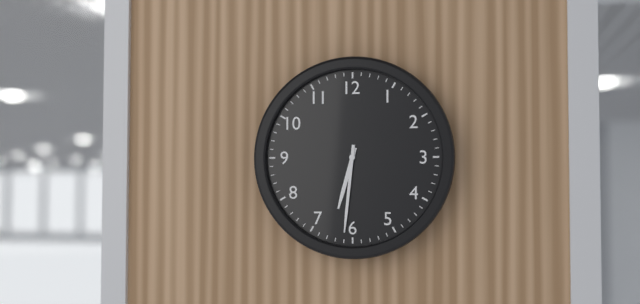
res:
h=6 m=31
